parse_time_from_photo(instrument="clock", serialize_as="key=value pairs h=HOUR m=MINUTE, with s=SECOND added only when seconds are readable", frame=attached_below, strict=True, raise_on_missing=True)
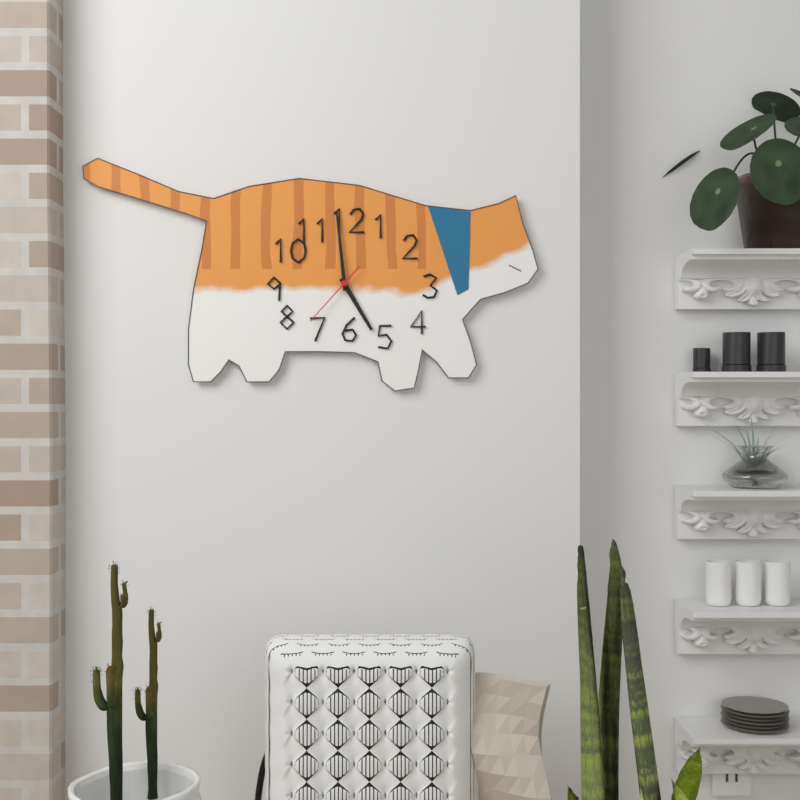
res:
h=4 m=59 s=37
